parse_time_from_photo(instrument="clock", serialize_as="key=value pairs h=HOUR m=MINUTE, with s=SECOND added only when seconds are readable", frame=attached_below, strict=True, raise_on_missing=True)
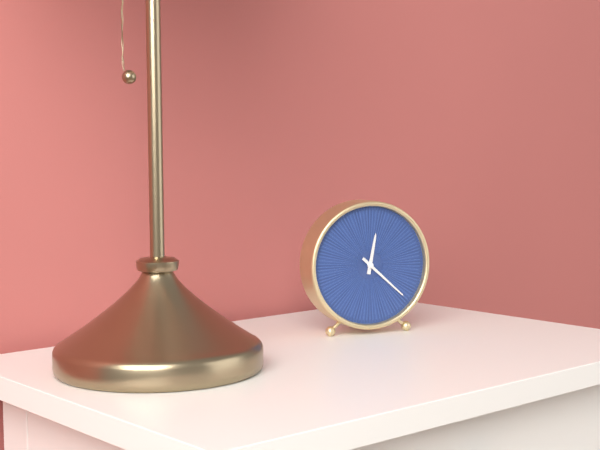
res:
h=12 m=22
